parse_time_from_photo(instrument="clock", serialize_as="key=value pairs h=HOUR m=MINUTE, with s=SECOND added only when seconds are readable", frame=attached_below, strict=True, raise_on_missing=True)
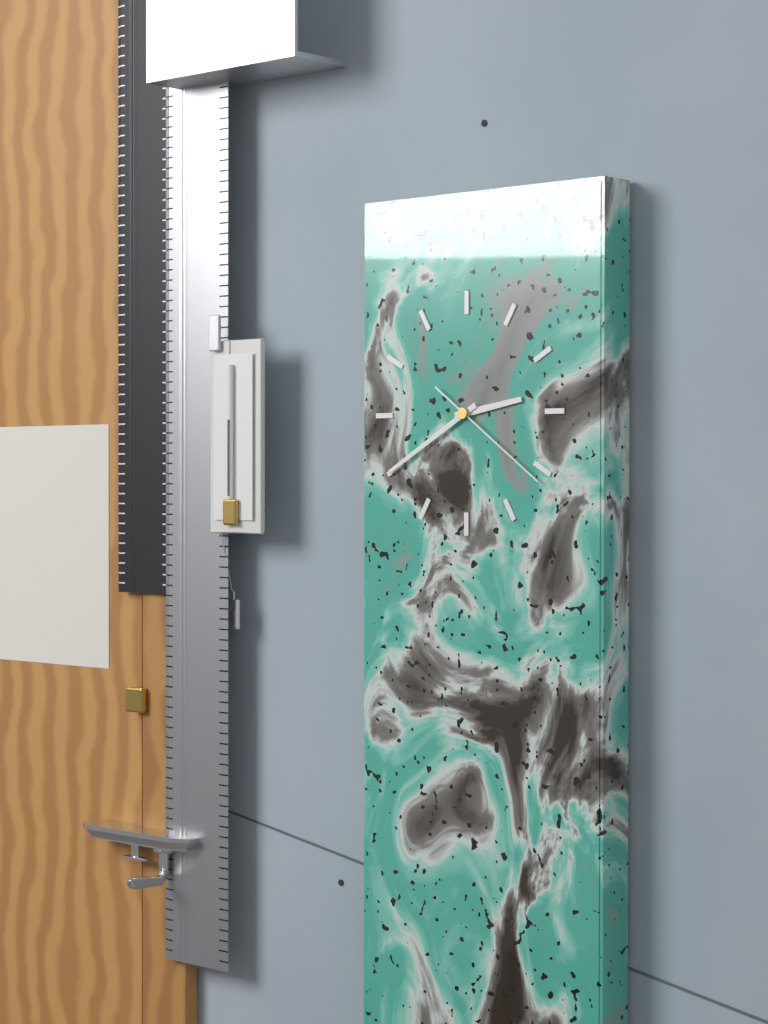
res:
h=2 m=40 s=21
